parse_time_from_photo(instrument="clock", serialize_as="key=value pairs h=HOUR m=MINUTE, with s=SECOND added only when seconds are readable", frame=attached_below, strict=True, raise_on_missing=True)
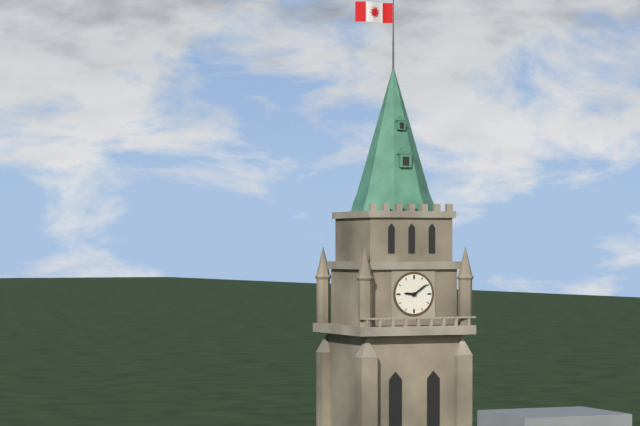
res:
h=9 m=9
